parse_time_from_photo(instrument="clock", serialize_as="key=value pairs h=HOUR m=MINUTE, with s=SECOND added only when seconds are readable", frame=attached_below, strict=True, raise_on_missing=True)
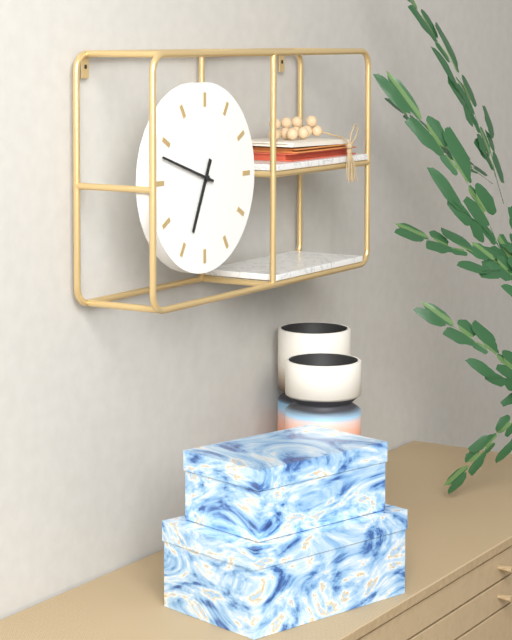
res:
h=6 m=48
